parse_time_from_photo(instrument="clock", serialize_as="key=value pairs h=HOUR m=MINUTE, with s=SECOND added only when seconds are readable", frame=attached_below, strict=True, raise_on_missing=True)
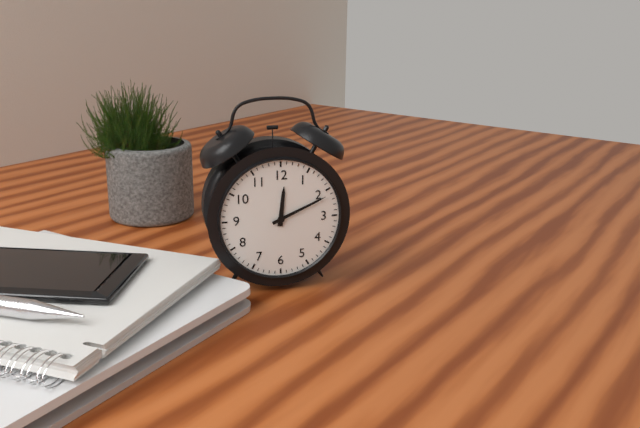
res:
h=12 m=11
